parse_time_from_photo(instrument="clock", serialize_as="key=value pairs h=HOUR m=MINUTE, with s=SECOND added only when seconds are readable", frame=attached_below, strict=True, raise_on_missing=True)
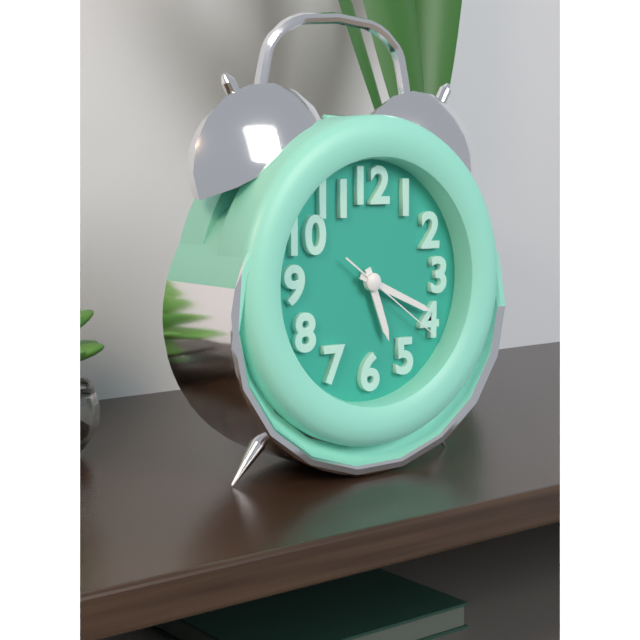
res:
h=5 m=19 s=21
